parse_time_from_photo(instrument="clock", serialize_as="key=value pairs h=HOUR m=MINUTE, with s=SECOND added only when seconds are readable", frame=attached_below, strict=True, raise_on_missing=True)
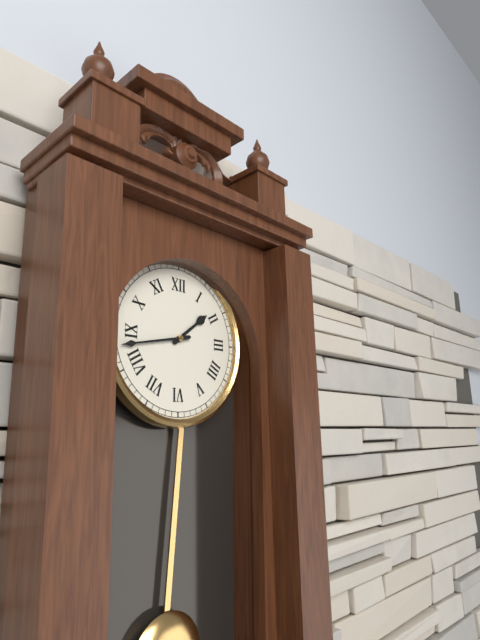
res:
h=1 m=43
